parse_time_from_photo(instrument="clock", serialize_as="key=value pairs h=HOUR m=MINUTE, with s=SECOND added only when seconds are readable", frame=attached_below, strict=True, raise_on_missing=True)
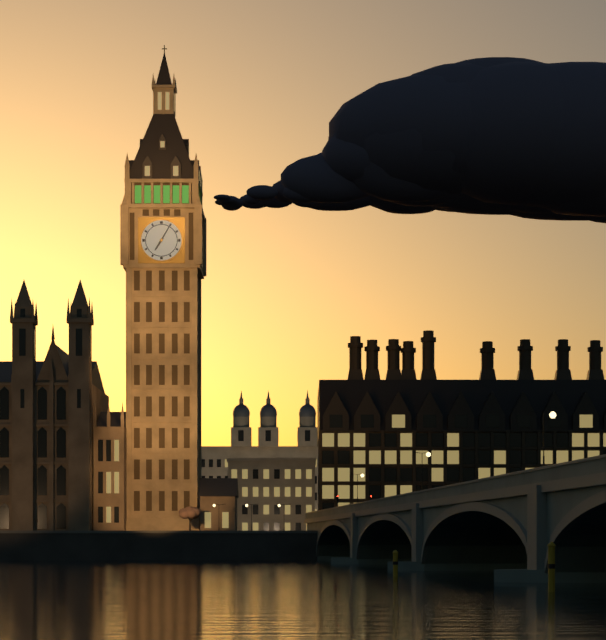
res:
h=7 m=5
